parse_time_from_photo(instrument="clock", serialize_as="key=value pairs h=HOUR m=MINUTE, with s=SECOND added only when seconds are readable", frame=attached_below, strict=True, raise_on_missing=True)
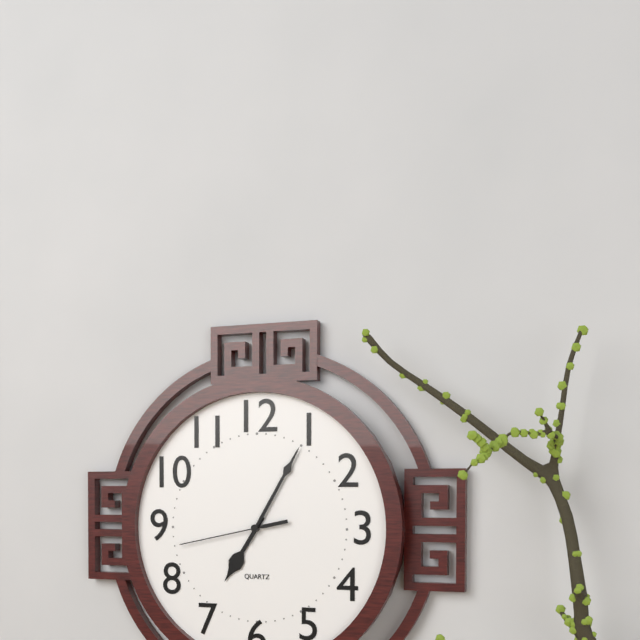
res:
h=7 m=5 s=43
